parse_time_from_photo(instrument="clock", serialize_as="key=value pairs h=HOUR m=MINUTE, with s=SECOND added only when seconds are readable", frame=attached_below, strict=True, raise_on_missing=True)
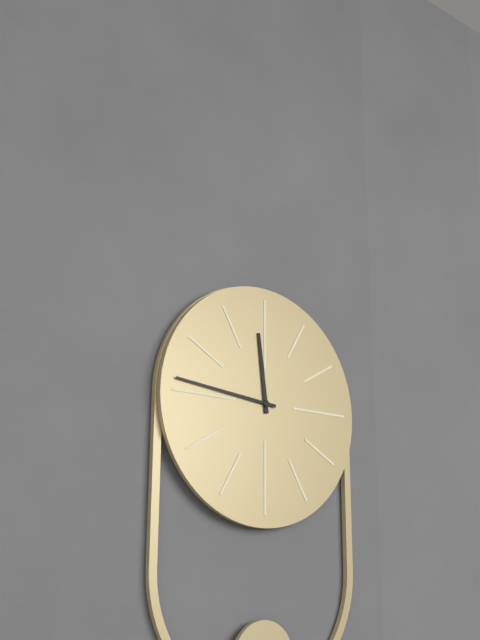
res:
h=11 m=46
